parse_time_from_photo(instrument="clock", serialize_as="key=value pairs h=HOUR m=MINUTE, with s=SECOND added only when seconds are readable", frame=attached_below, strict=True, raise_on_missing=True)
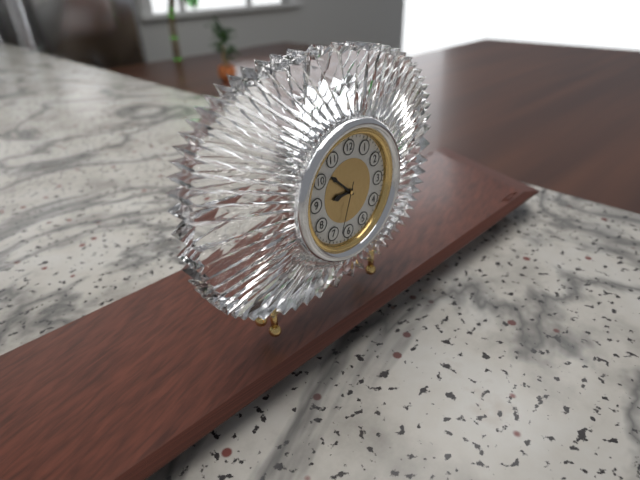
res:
h=8 m=52 s=33
